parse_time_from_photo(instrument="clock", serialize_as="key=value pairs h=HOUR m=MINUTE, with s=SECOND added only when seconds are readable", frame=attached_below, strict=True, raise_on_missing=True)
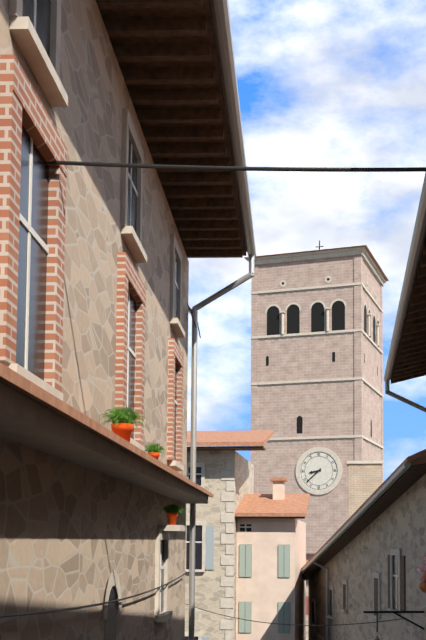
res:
h=8 m=38
